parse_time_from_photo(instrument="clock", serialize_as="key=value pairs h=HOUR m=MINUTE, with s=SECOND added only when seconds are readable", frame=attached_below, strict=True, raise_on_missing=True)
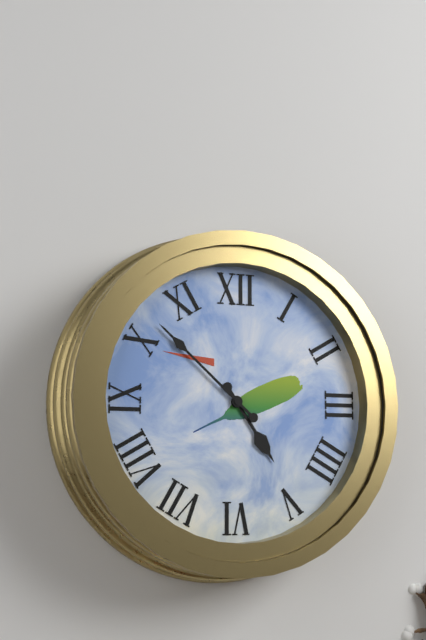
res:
h=4 m=52
